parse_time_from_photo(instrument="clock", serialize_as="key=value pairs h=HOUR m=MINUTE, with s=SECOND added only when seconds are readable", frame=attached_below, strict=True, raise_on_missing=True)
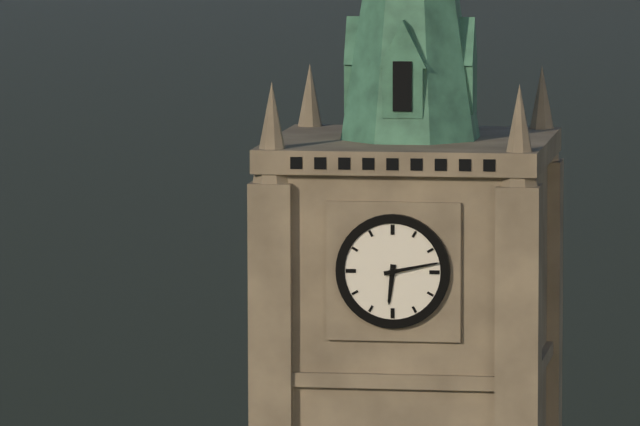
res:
h=6 m=13
